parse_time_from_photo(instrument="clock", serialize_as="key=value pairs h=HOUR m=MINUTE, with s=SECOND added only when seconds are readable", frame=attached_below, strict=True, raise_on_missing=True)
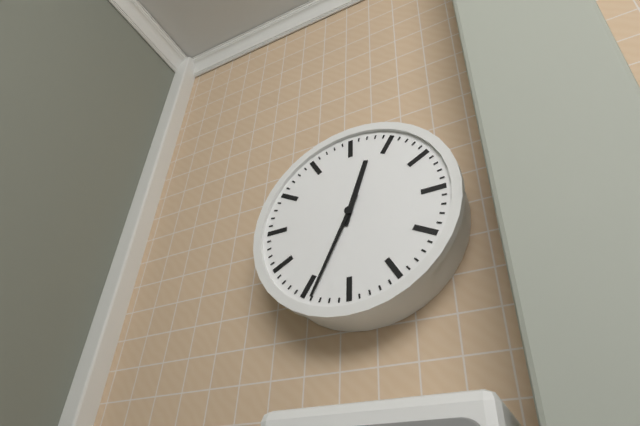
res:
h=12 m=34
